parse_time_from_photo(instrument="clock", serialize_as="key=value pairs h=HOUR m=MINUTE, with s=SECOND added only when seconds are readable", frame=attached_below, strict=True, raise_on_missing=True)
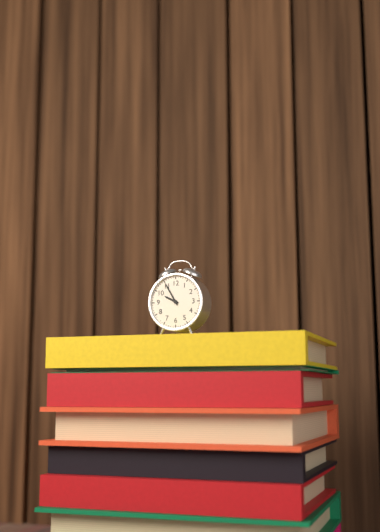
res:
h=9 m=55
